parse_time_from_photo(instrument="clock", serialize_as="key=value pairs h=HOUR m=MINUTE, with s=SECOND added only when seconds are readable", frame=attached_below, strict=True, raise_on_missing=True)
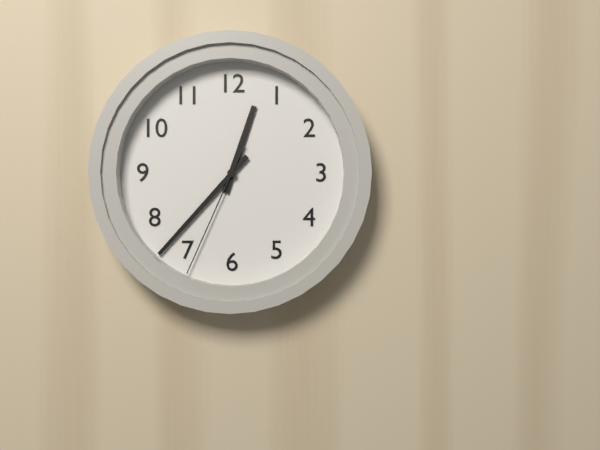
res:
h=12 m=37 s=34
